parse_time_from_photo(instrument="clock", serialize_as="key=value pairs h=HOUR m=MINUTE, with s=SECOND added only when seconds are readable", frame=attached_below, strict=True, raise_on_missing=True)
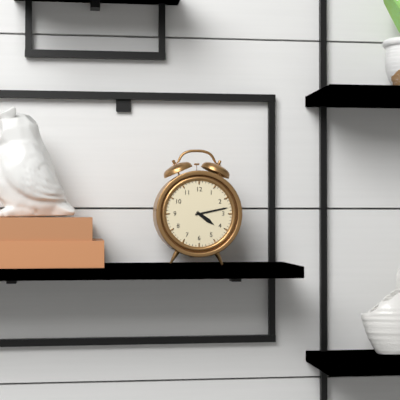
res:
h=4 m=13
